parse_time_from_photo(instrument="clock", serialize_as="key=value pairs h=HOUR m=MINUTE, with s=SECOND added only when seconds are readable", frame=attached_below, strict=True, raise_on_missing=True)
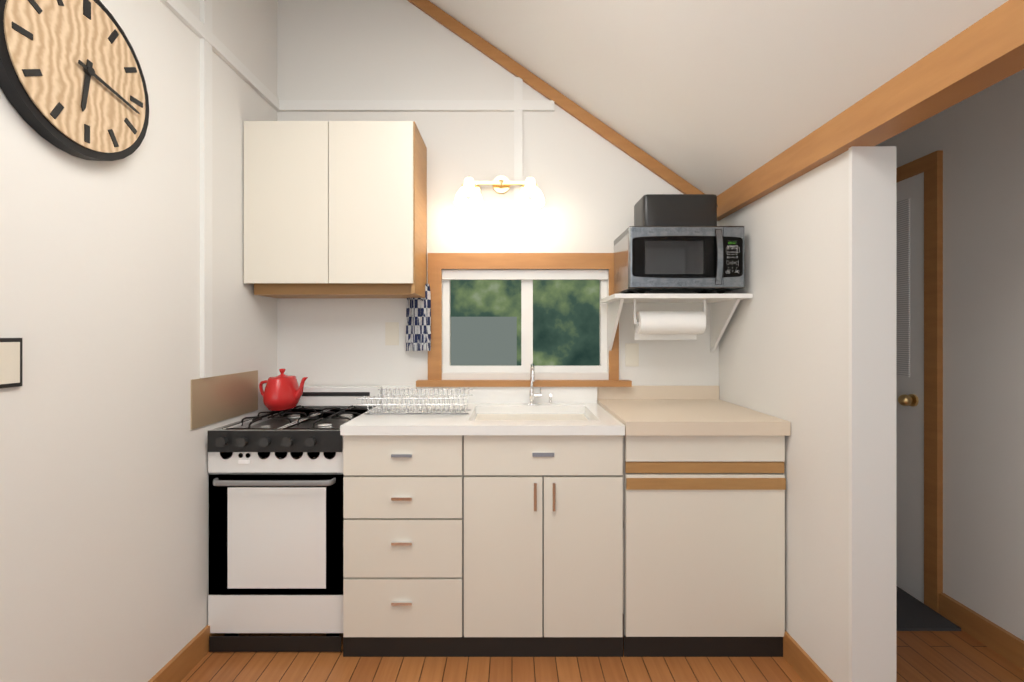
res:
h=6 m=17
